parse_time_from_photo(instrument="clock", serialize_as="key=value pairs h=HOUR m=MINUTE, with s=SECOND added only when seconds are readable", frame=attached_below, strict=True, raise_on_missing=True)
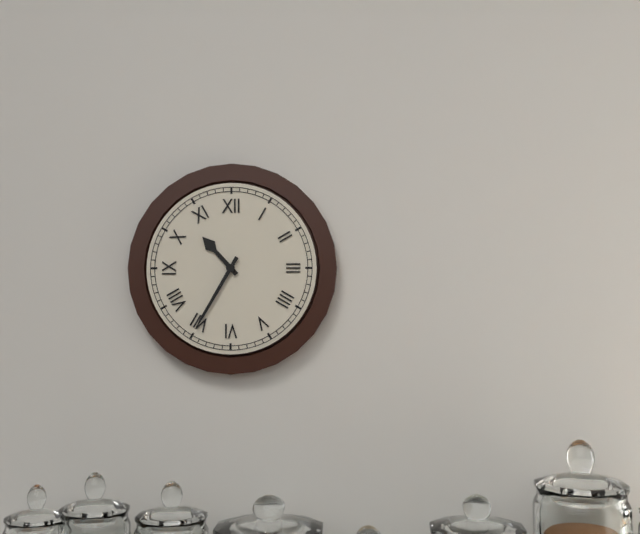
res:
h=10 m=35
